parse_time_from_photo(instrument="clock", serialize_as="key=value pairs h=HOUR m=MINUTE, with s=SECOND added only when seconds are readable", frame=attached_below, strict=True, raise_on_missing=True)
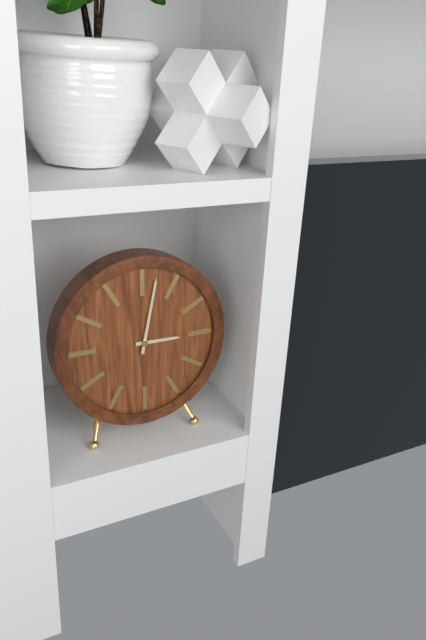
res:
h=3 m=2
